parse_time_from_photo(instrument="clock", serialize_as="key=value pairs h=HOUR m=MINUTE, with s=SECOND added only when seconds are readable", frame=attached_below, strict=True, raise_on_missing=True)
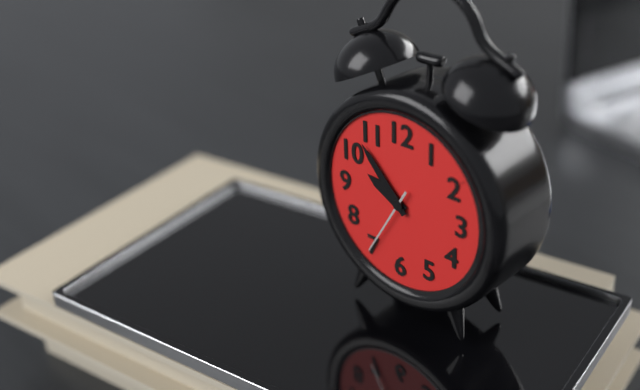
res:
h=9 m=53 s=35
